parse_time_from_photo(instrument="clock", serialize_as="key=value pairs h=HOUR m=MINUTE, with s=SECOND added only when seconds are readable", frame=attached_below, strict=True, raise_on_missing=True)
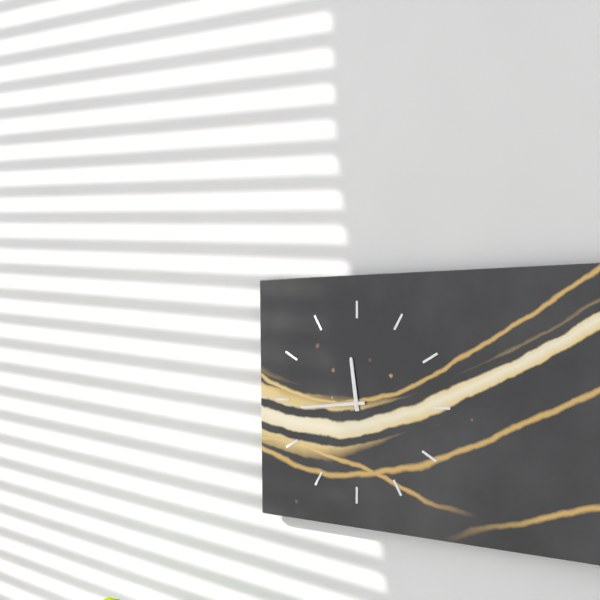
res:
h=11 m=44
